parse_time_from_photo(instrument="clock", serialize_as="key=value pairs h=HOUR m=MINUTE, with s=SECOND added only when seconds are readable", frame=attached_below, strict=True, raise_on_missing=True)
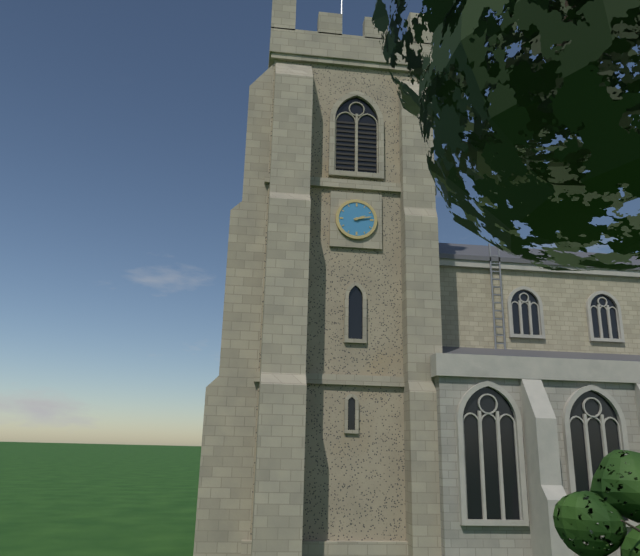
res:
h=2 m=13
